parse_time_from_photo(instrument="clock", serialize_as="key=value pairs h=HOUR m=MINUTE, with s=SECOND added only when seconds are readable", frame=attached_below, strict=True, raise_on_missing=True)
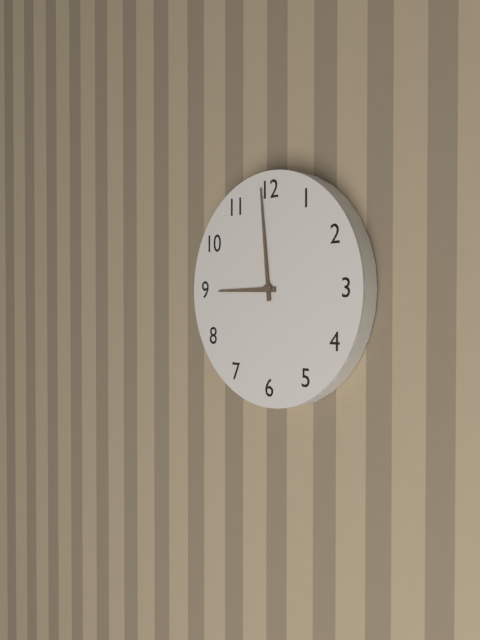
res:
h=8 m=59
